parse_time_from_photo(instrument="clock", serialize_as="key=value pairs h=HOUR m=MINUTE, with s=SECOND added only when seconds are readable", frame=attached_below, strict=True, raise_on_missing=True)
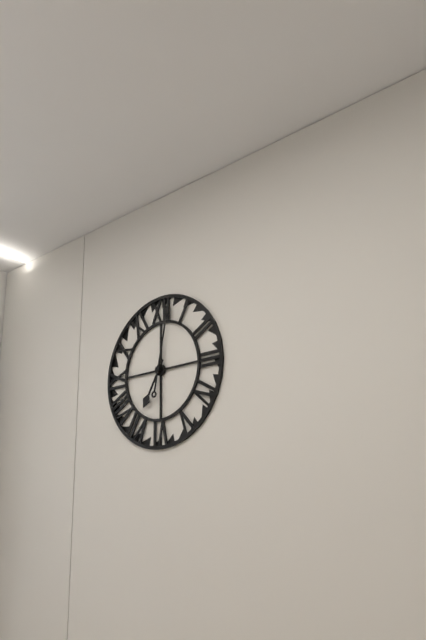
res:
h=7 m=2
